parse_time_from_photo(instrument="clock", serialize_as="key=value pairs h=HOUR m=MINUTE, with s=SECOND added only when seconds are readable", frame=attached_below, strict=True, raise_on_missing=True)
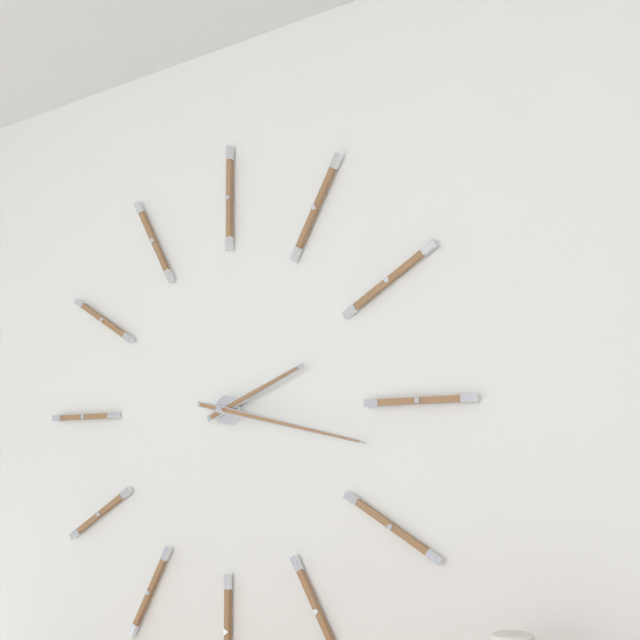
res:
h=2 m=17
